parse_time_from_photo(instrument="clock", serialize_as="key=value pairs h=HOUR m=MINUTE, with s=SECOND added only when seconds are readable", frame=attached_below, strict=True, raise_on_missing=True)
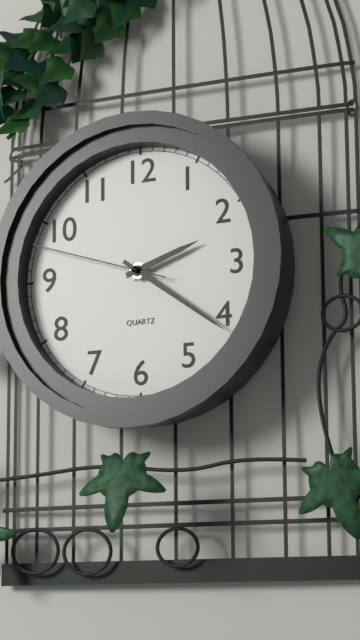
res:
h=2 m=21 s=48
